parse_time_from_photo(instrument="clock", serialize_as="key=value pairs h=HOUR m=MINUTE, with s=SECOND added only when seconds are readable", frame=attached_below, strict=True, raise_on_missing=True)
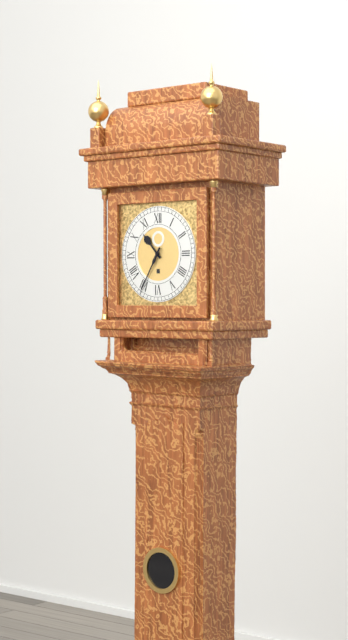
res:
h=10 m=35
